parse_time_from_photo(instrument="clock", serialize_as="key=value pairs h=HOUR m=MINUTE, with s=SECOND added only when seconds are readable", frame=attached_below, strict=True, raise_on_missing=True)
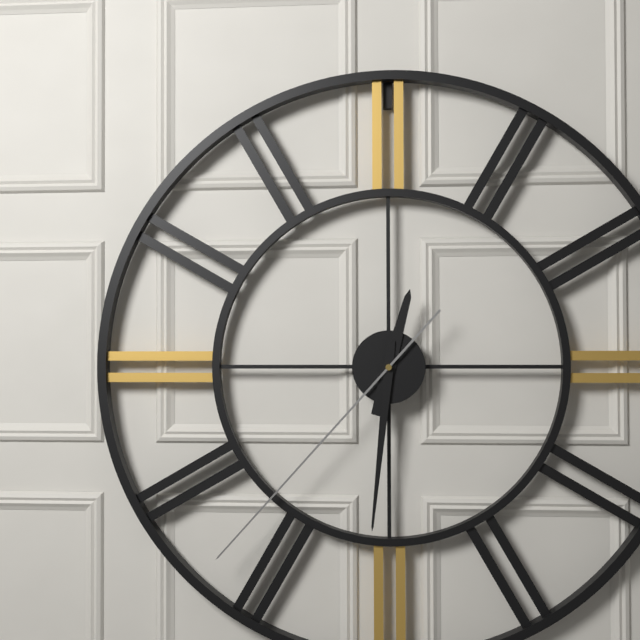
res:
h=12 m=31 s=37
